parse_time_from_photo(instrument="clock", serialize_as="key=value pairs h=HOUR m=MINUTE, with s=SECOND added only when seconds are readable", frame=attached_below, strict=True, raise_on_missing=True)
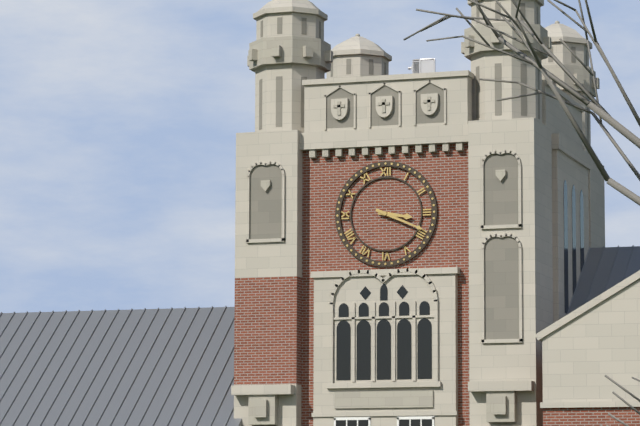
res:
h=3 m=19
